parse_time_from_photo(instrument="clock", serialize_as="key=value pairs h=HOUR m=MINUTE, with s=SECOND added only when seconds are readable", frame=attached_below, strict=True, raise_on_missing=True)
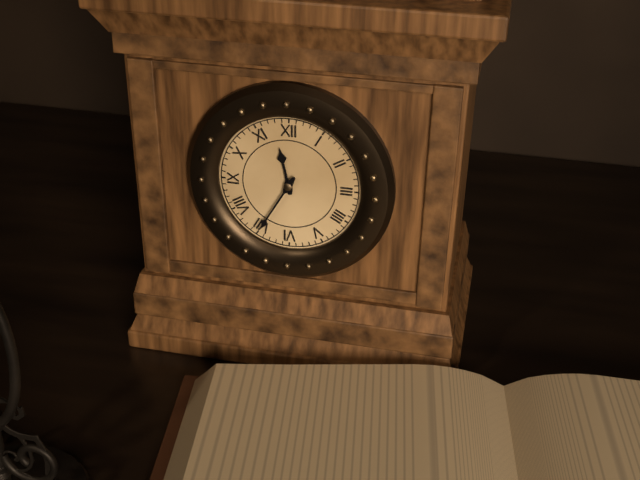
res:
h=11 m=35
